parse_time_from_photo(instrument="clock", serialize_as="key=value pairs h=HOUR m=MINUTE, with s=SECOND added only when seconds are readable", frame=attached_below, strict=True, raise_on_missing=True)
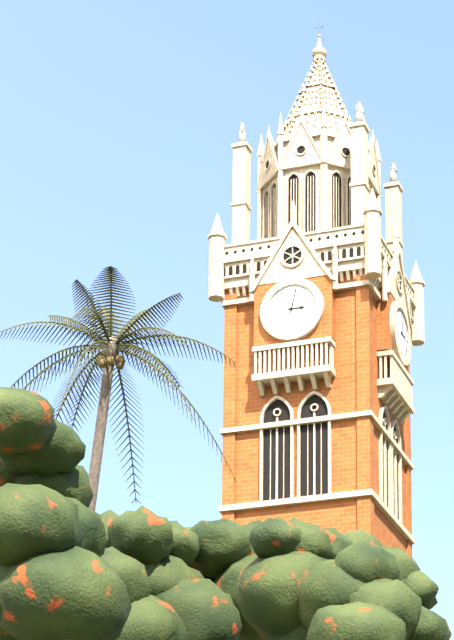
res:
h=3 m=2
